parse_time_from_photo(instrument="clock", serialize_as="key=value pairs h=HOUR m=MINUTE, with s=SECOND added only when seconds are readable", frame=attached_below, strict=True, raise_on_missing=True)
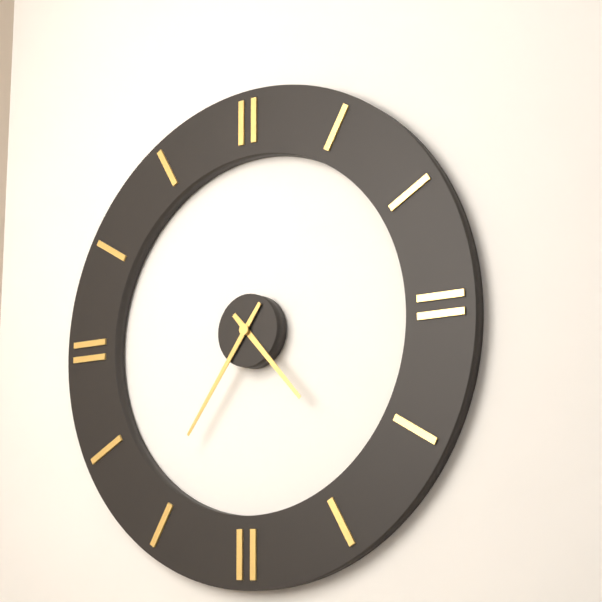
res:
h=4 m=36
